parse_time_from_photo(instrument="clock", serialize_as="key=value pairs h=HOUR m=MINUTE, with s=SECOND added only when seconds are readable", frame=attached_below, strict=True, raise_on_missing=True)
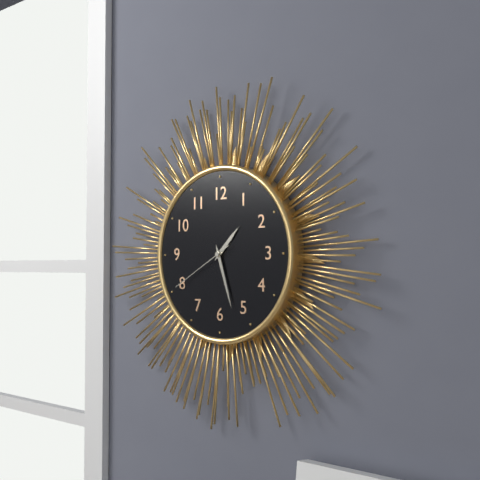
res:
h=1 m=27 s=40
